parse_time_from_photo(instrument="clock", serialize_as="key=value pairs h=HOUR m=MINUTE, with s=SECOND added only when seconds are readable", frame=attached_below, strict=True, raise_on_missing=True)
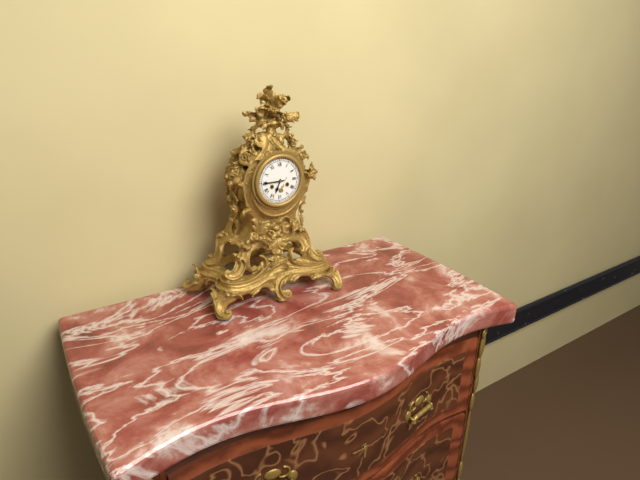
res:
h=6 m=45
